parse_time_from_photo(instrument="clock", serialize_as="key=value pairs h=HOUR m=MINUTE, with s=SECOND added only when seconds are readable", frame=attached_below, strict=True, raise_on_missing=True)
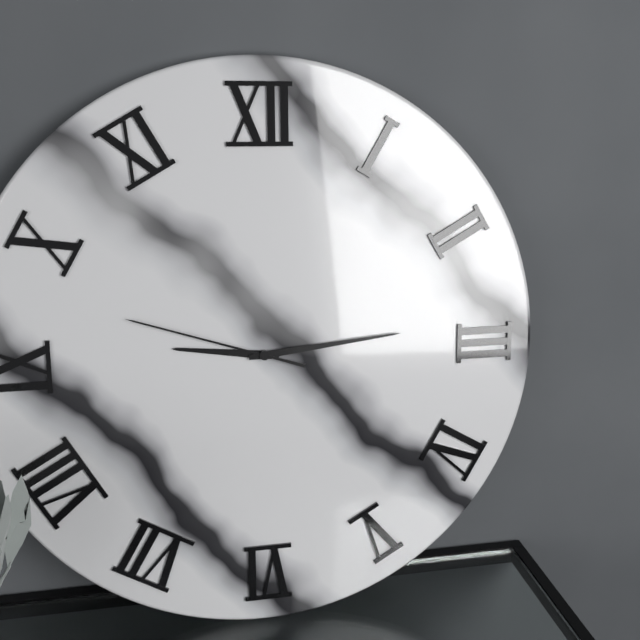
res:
h=9 m=14 s=48
